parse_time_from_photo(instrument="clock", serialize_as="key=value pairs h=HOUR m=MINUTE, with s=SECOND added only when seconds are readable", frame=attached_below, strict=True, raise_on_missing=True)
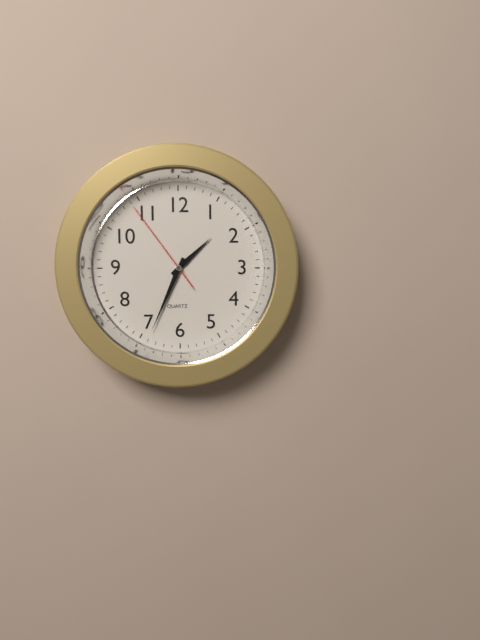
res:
h=1 m=34 s=54
